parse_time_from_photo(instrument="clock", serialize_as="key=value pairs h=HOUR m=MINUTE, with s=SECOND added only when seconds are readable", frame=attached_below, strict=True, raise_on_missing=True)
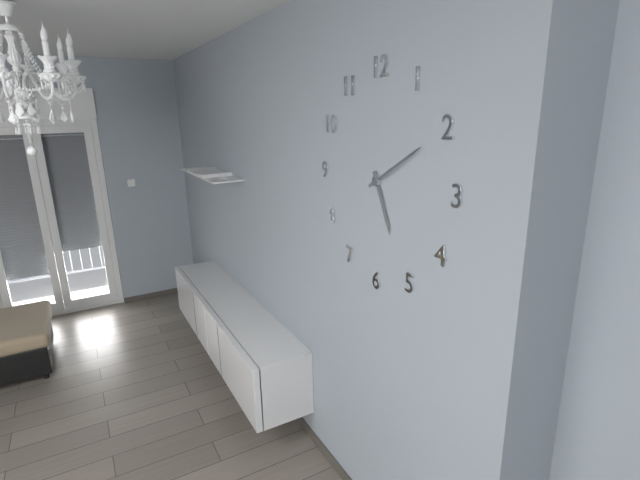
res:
h=5 m=10
